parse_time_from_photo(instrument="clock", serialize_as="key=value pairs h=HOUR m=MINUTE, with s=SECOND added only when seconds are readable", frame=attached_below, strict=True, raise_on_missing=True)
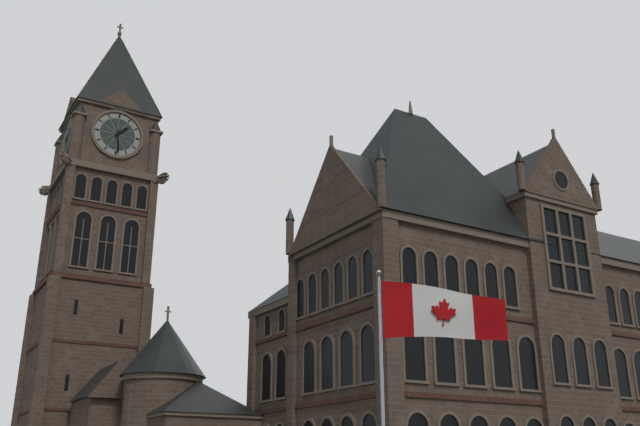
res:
h=1 m=29
